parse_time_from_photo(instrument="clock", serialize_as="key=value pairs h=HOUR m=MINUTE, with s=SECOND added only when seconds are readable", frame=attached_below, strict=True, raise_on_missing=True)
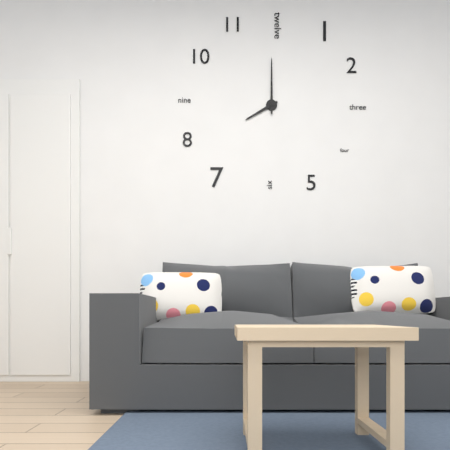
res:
h=8 m=0
